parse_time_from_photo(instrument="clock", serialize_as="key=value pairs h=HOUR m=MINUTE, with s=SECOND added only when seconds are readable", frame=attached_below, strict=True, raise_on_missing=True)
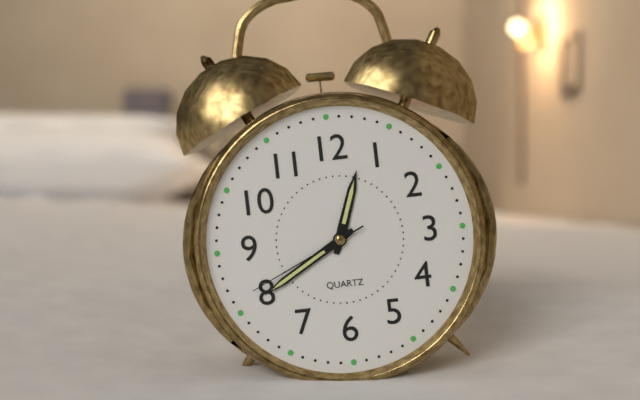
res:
h=12 m=40 s=41
